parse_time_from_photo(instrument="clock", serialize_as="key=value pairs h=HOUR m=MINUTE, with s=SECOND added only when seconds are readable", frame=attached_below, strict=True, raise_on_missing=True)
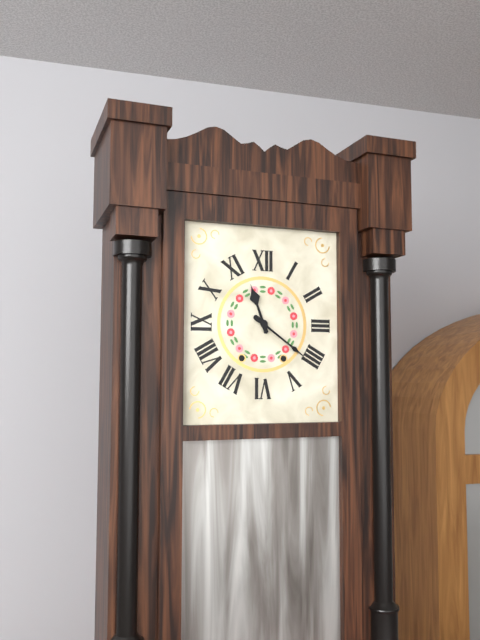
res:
h=11 m=21
